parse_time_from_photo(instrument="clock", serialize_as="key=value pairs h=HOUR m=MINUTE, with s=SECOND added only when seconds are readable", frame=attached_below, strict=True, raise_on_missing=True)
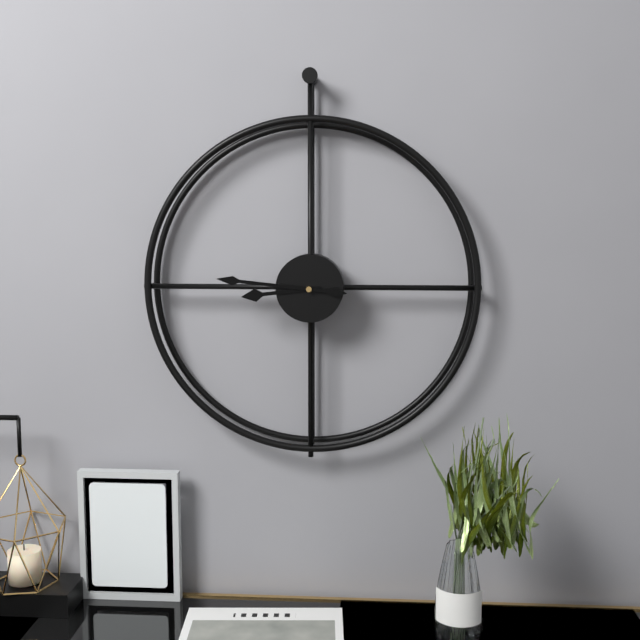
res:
h=8 m=46
